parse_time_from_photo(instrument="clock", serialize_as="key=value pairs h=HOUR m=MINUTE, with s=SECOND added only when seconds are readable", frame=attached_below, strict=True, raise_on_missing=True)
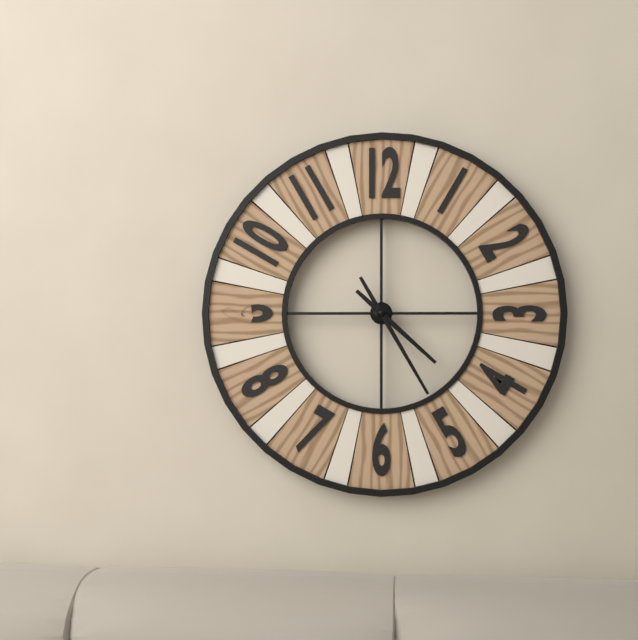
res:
h=4 m=25
